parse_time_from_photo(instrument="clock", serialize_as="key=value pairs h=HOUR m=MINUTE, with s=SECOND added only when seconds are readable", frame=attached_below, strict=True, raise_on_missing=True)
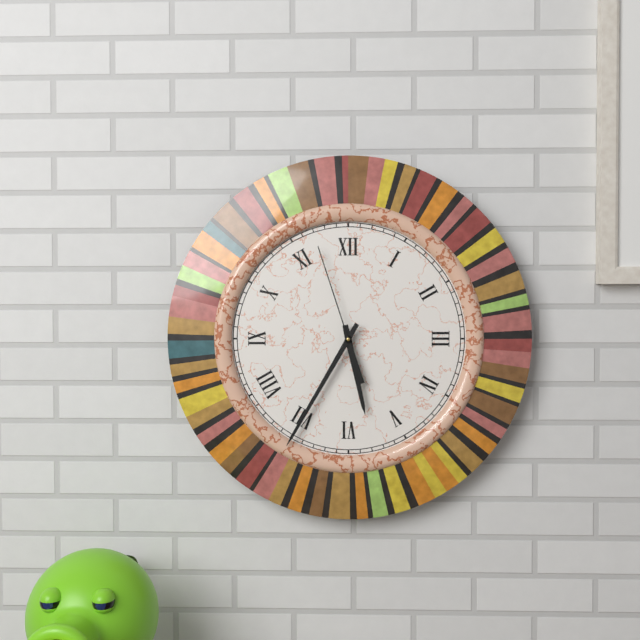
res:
h=5 m=35 s=57
